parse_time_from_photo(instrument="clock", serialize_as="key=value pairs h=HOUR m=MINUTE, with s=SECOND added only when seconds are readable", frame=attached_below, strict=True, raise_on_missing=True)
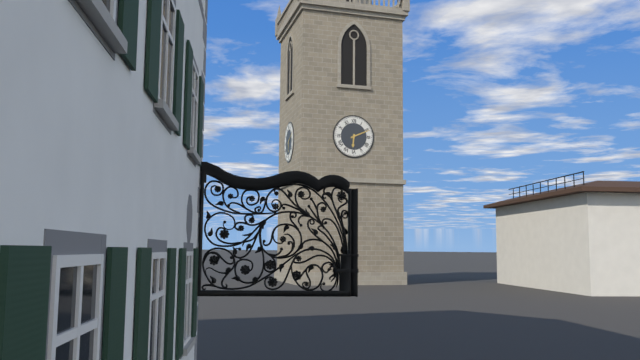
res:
h=6 m=11
